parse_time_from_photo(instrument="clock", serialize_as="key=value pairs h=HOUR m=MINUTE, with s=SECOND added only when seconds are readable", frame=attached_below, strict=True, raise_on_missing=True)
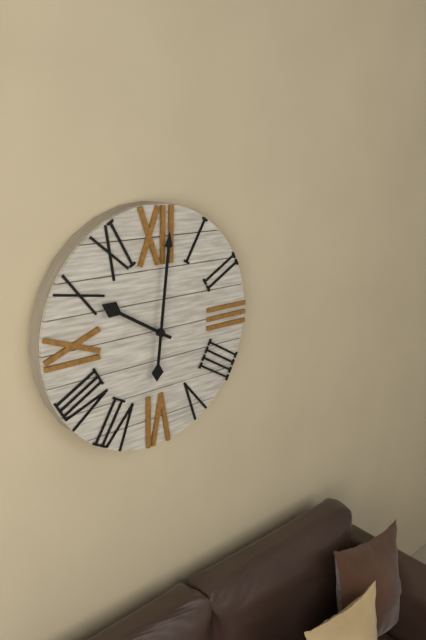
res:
h=10 m=1
